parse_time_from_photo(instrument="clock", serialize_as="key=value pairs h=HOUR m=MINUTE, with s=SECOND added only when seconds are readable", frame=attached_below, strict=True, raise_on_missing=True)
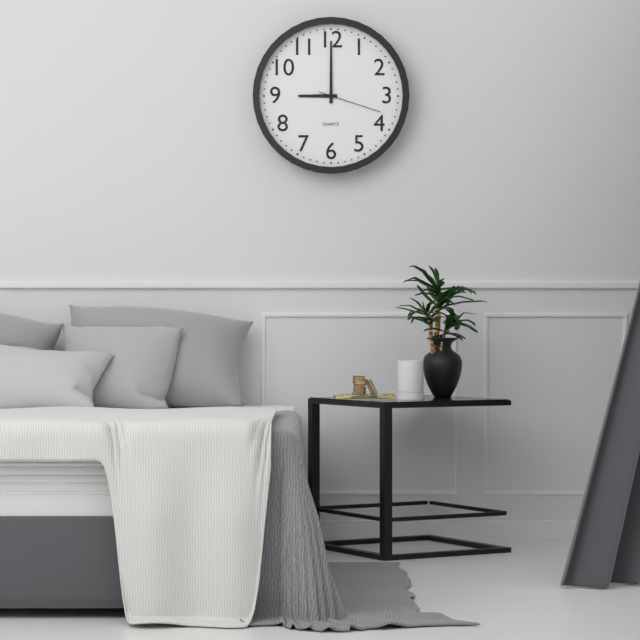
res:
h=9 m=0 s=18
